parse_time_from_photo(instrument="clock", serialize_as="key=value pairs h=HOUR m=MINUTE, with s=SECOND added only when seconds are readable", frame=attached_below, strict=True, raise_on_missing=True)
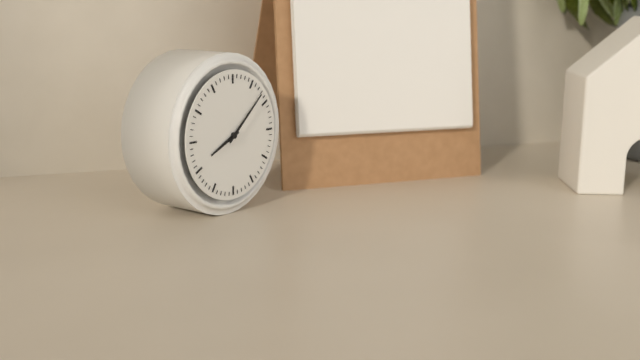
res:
h=8 m=8
